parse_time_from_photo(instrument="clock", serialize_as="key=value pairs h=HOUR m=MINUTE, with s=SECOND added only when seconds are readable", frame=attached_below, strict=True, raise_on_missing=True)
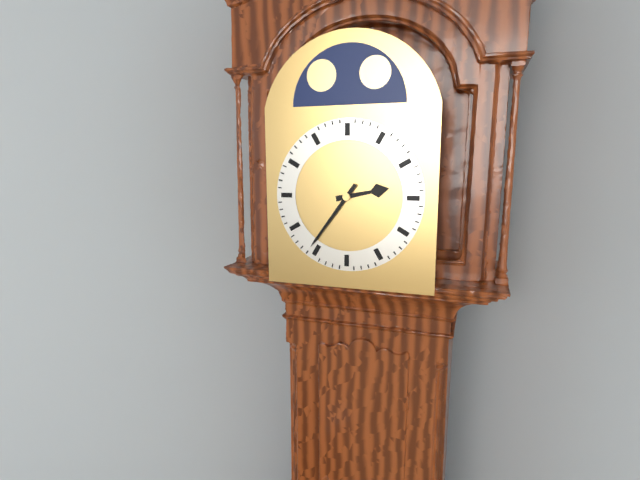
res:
h=2 m=36
